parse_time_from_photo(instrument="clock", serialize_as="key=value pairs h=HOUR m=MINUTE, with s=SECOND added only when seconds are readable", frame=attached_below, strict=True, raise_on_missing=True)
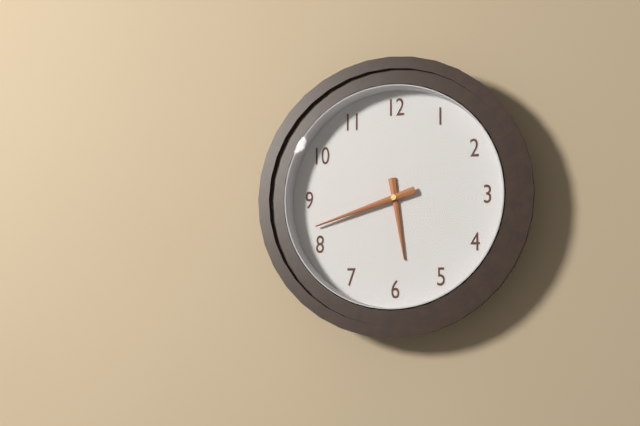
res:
h=5 m=42
